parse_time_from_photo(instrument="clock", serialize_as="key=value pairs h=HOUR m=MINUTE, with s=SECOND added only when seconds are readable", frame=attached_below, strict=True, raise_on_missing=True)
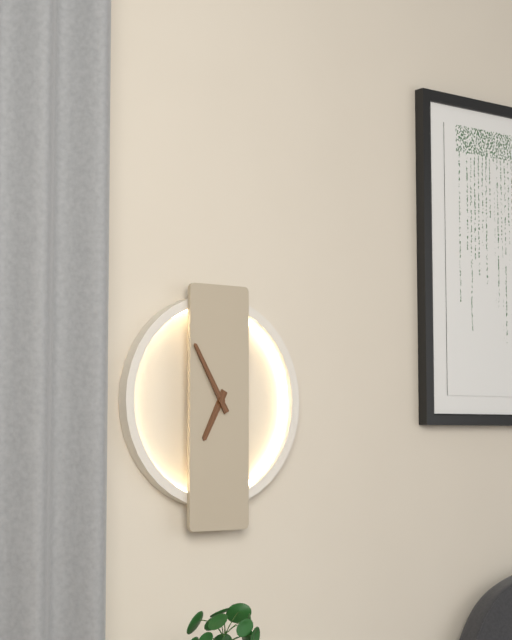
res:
h=6 m=55
